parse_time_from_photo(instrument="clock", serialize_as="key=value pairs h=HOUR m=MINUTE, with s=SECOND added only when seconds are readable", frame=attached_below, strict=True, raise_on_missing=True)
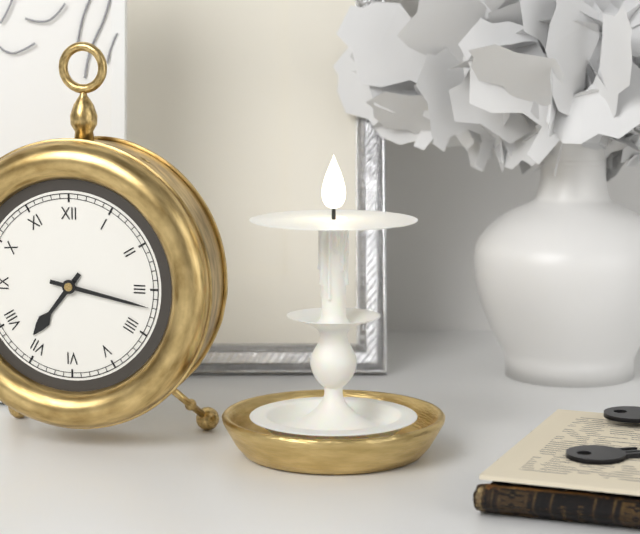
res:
h=7 m=17
